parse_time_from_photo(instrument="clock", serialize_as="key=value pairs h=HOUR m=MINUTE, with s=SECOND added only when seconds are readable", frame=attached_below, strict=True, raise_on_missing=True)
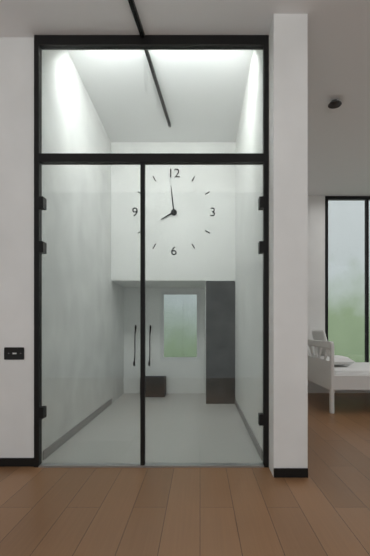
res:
h=7 m=59
